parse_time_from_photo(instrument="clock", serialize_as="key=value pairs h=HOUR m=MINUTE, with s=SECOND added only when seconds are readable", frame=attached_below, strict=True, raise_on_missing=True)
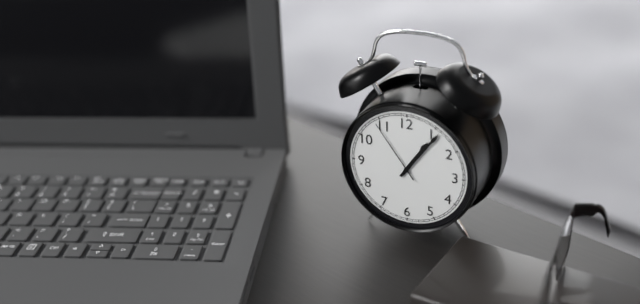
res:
h=1 m=6 s=54
